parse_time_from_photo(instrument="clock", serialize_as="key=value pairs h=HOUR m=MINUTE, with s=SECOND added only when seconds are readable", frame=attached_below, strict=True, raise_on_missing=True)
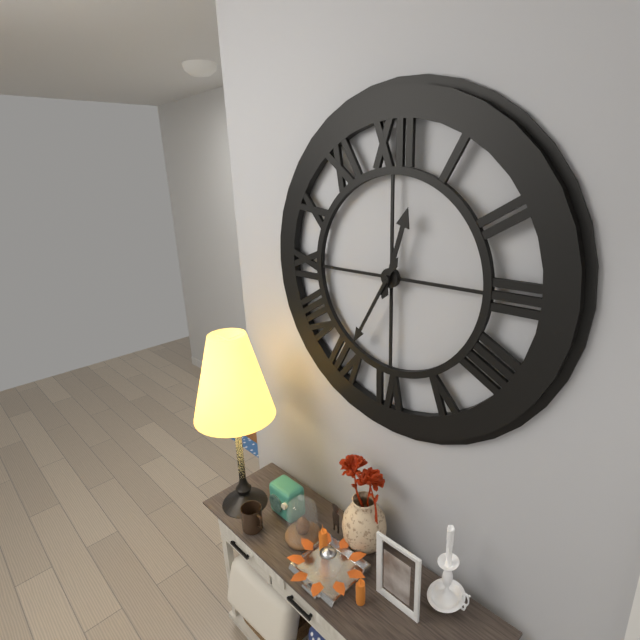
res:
h=12 m=35
